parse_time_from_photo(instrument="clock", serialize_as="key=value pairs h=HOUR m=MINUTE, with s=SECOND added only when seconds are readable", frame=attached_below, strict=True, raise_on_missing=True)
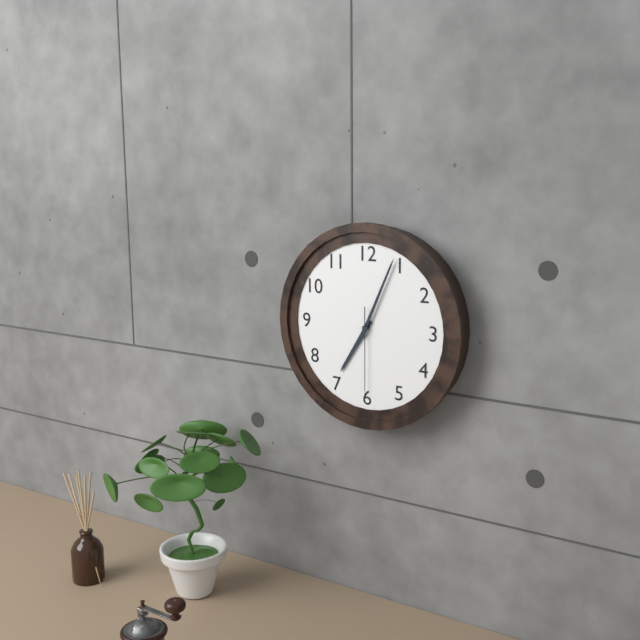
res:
h=7 m=4 s=30
